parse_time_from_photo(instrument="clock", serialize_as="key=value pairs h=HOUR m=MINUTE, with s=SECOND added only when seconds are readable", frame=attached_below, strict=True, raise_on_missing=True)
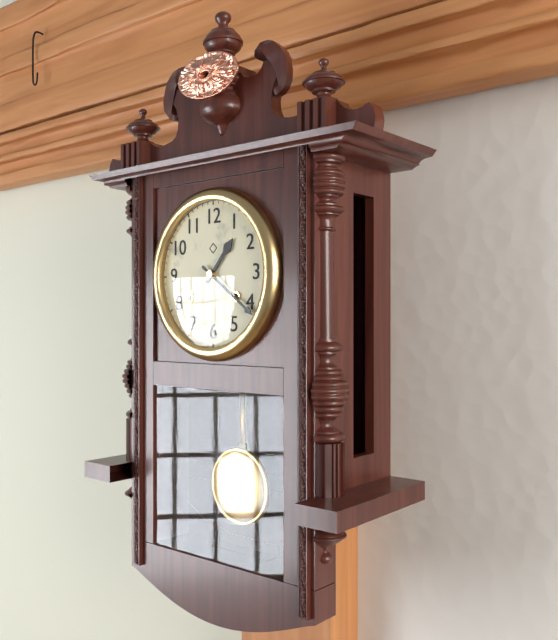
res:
h=1 m=21
